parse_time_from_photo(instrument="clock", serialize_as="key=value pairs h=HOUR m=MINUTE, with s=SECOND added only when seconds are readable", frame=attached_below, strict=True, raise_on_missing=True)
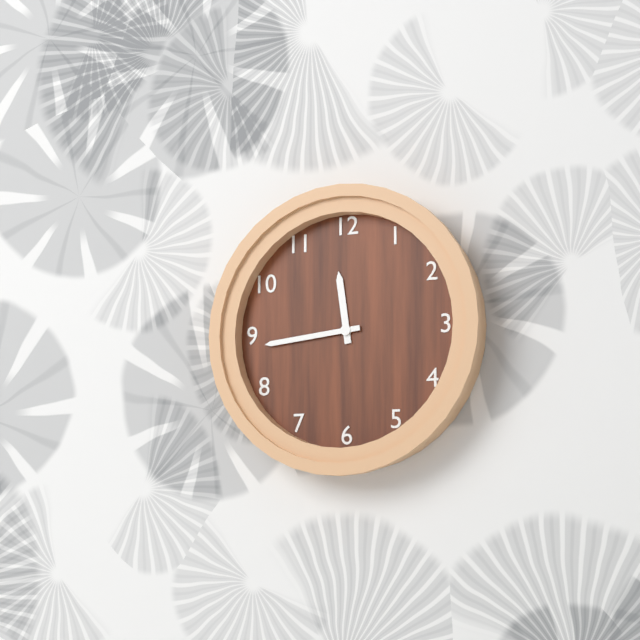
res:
h=11 m=44
